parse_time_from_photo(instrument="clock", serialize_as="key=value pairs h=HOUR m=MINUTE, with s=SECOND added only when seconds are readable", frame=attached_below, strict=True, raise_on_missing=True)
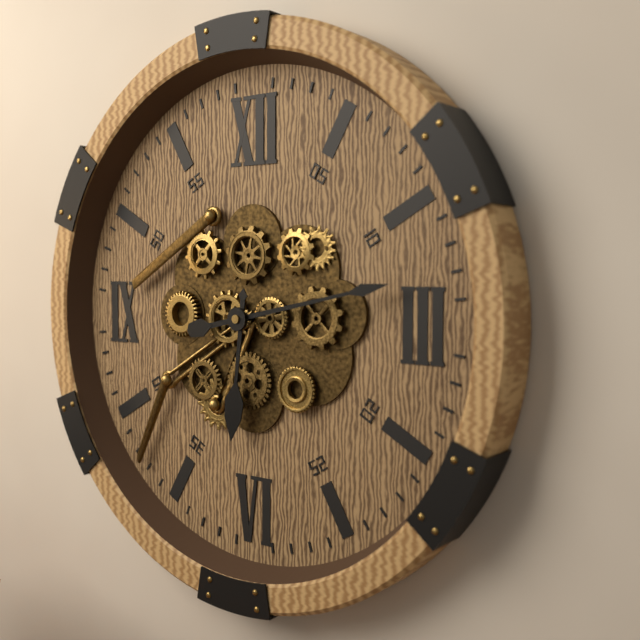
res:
h=6 m=13
